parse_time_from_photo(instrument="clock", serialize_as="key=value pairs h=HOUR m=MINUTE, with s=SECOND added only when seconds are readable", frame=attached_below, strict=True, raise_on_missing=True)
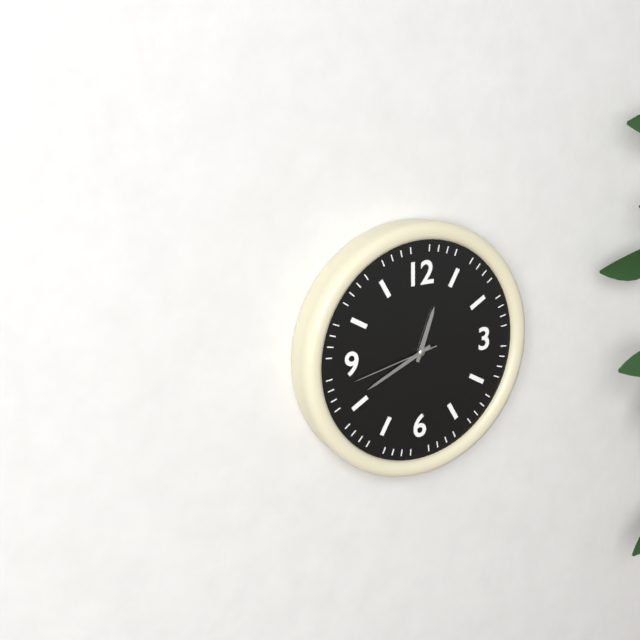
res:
h=12 m=41 s=43
